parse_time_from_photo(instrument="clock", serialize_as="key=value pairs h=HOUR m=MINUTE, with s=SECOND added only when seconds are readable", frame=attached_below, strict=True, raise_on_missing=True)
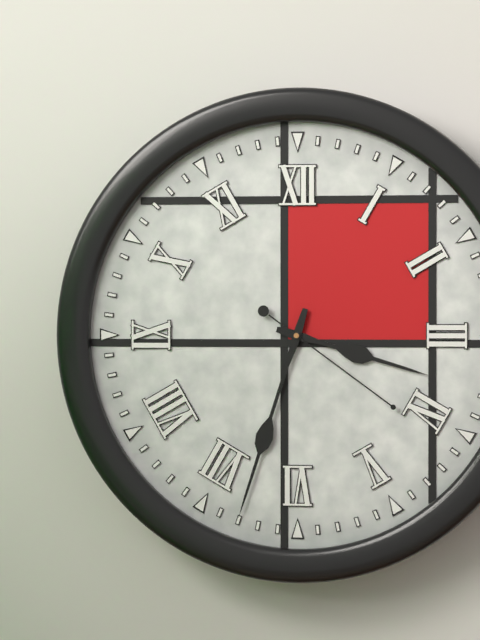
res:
h=3 m=33 s=21
